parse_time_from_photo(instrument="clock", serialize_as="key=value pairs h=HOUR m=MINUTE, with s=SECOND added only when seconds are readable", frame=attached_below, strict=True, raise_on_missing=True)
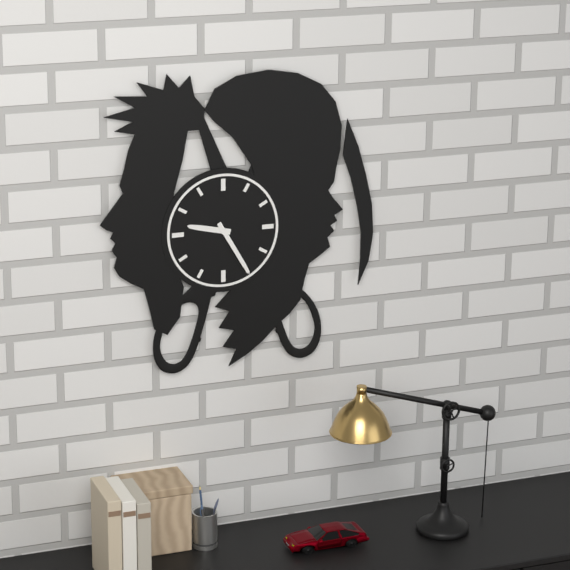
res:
h=9 m=25
